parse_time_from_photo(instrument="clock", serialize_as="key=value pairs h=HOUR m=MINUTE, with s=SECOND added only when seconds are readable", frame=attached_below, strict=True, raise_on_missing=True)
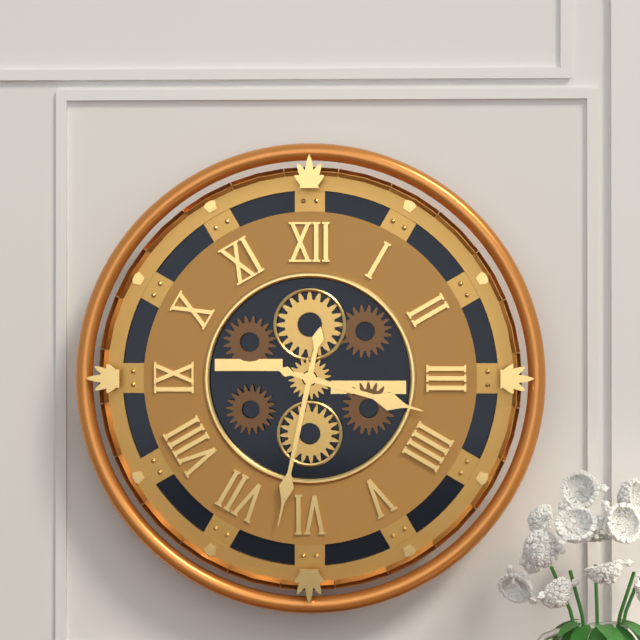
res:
h=3 m=32
